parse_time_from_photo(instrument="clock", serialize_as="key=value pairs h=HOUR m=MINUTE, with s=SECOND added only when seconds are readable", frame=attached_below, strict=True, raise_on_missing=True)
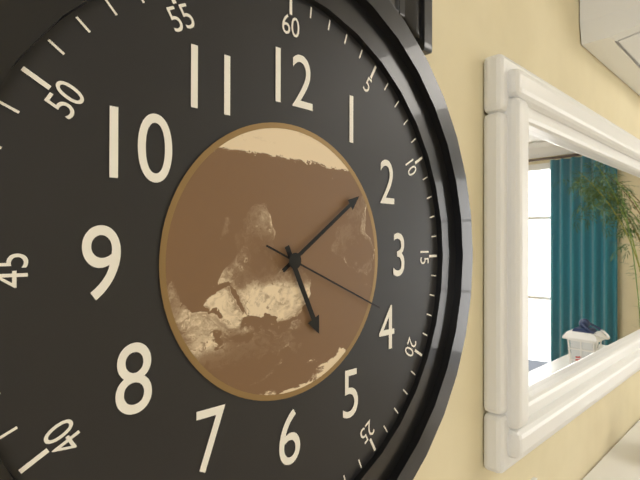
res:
h=5 m=9 s=19
